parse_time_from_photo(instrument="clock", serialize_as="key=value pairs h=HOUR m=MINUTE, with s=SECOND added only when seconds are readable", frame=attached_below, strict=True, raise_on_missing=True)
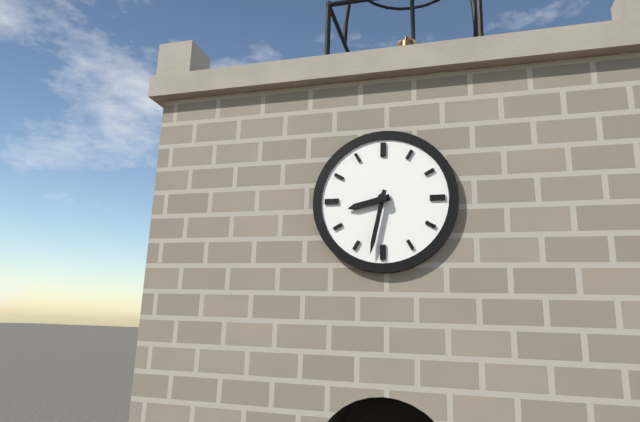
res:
h=8 m=32
